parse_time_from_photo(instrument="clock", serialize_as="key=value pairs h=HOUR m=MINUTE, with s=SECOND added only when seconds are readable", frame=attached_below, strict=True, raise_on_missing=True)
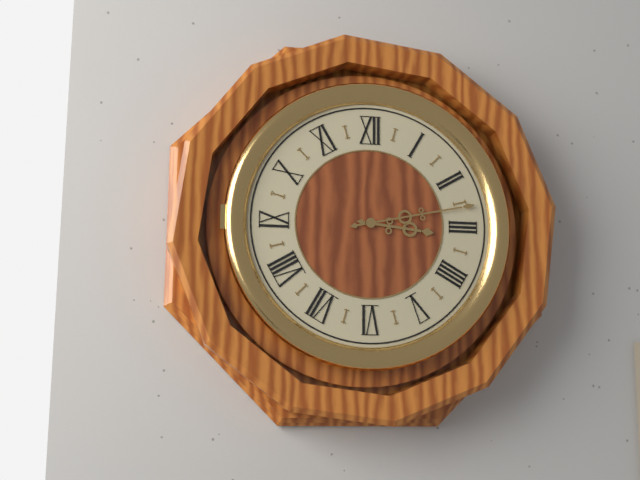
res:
h=3 m=13
